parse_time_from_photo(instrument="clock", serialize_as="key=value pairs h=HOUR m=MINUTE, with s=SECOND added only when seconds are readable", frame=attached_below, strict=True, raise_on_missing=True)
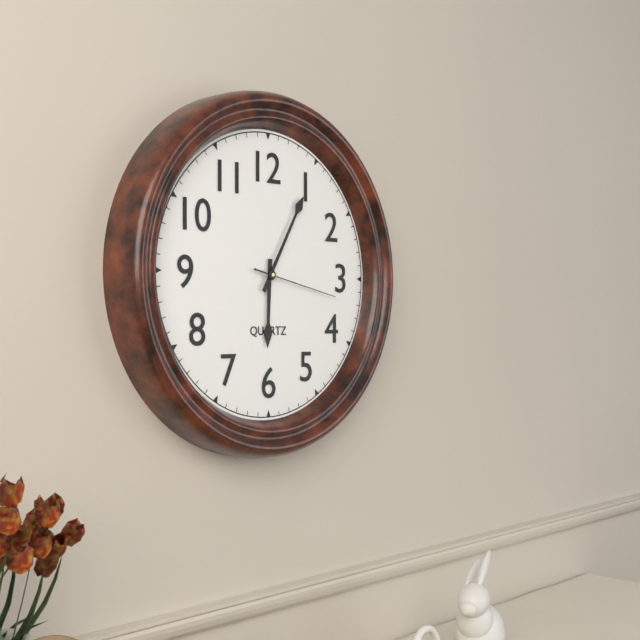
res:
h=6 m=5 s=17
